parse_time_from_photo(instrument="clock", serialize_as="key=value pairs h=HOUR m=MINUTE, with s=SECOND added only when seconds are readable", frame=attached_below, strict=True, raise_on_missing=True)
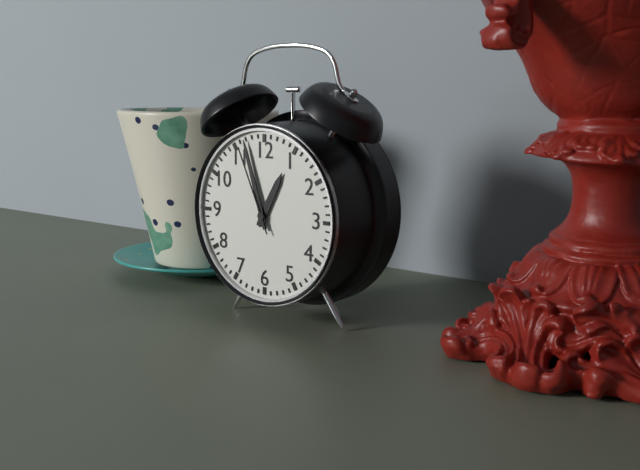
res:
h=12 m=57 s=56
